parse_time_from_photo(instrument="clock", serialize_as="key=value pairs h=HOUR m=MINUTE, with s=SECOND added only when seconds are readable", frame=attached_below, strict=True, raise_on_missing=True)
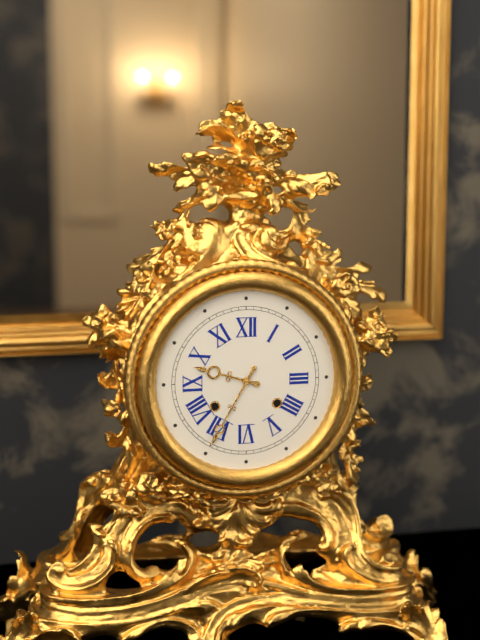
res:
h=9 m=35
